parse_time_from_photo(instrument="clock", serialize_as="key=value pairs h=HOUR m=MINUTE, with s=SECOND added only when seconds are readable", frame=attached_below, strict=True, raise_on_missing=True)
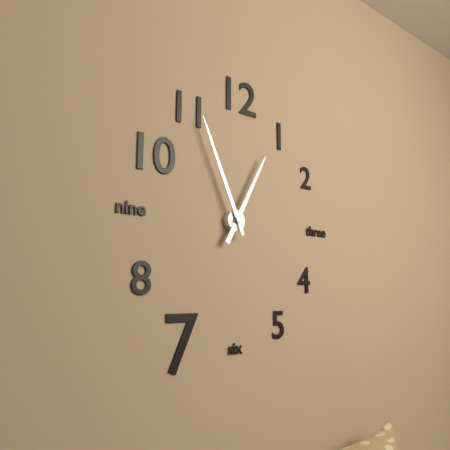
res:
h=12 m=56
